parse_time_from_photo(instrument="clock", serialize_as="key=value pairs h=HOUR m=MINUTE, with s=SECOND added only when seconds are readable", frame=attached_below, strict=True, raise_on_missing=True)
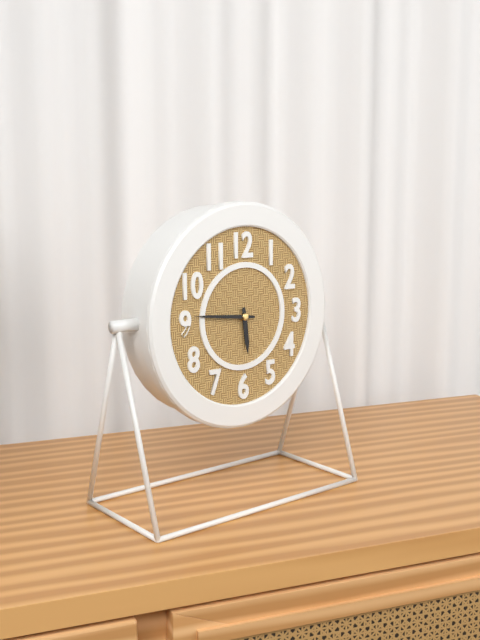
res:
h=5 m=46
